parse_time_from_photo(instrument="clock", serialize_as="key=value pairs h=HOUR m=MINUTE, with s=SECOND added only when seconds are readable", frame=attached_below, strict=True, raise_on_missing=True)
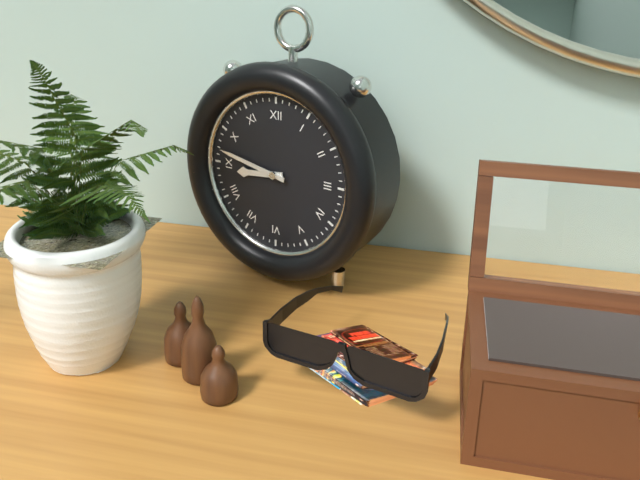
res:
h=8 m=47
